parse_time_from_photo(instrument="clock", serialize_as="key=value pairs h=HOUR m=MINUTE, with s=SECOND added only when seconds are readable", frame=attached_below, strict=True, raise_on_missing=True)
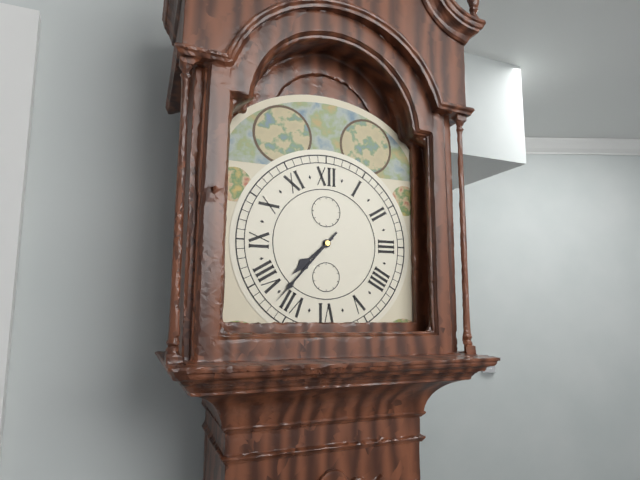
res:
h=7 m=37
